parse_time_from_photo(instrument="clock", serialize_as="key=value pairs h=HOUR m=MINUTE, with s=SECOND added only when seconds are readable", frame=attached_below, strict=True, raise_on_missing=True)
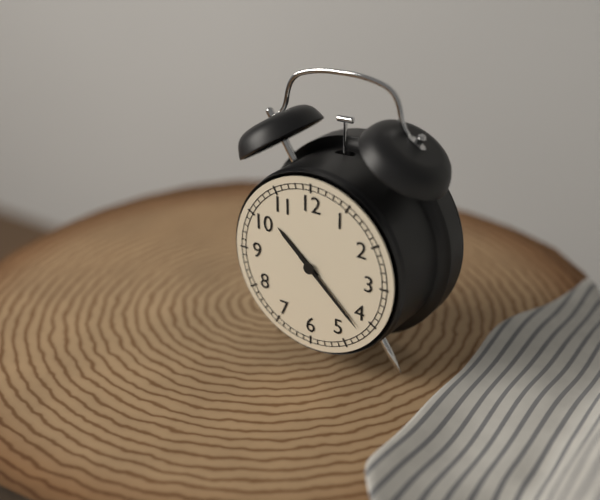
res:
h=10 m=22
